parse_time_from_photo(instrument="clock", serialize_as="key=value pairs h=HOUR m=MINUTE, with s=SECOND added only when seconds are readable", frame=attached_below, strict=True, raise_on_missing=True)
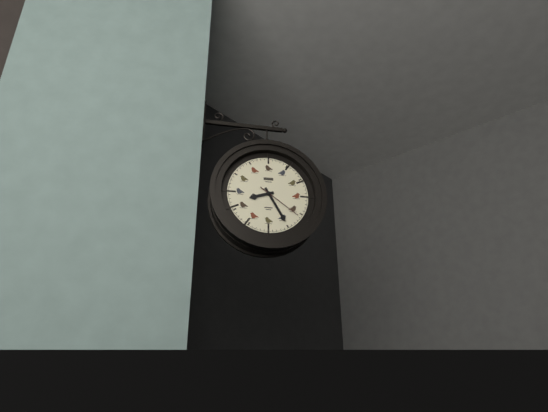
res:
h=8 m=25
